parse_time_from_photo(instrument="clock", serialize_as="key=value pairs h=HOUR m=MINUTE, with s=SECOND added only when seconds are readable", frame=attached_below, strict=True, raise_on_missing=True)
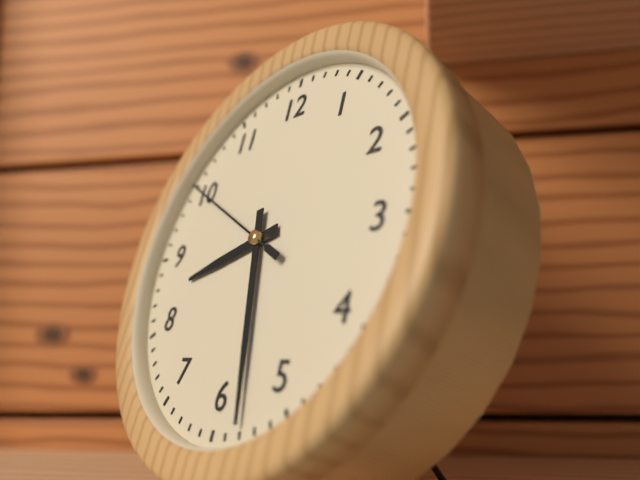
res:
h=8 m=28 s=50
